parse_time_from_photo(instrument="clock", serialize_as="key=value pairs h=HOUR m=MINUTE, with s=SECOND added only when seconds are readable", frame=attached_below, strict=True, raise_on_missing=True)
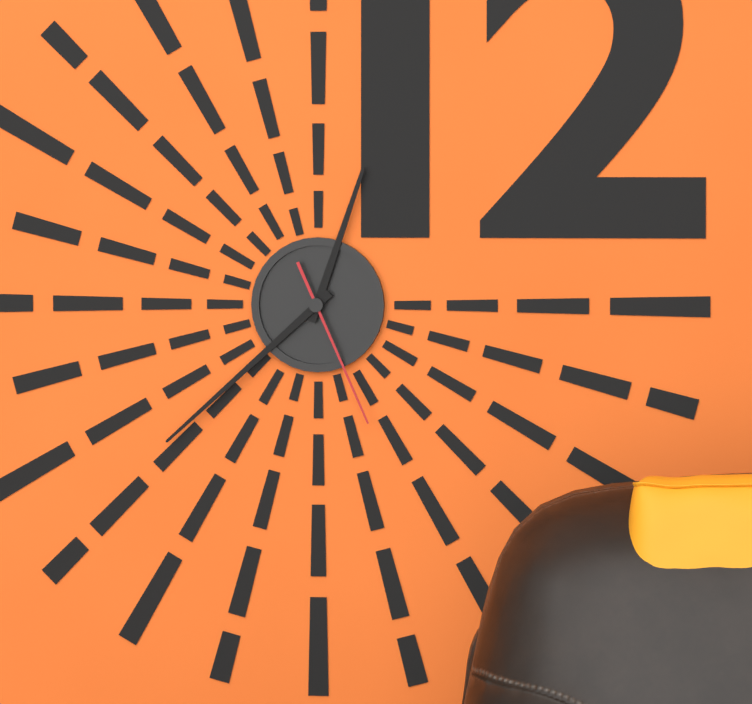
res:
h=12 m=38 s=26
